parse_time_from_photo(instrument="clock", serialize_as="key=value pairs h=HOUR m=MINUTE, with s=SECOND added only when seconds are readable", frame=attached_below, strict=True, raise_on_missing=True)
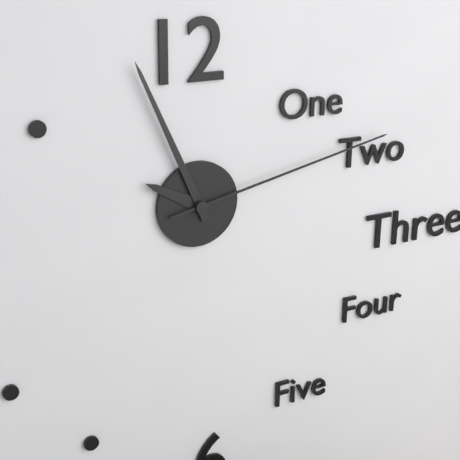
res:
h=9 m=56 s=13
